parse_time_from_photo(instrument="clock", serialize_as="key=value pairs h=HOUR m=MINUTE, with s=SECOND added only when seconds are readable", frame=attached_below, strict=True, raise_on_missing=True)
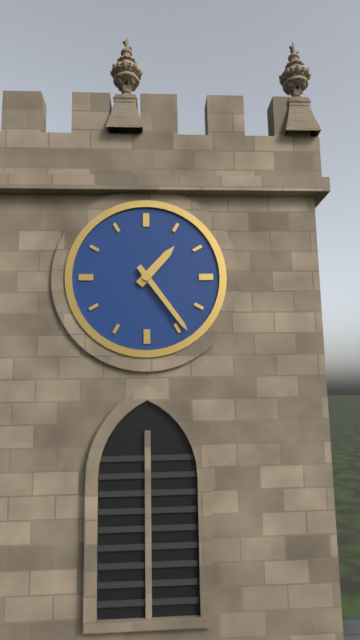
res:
h=1 m=24
